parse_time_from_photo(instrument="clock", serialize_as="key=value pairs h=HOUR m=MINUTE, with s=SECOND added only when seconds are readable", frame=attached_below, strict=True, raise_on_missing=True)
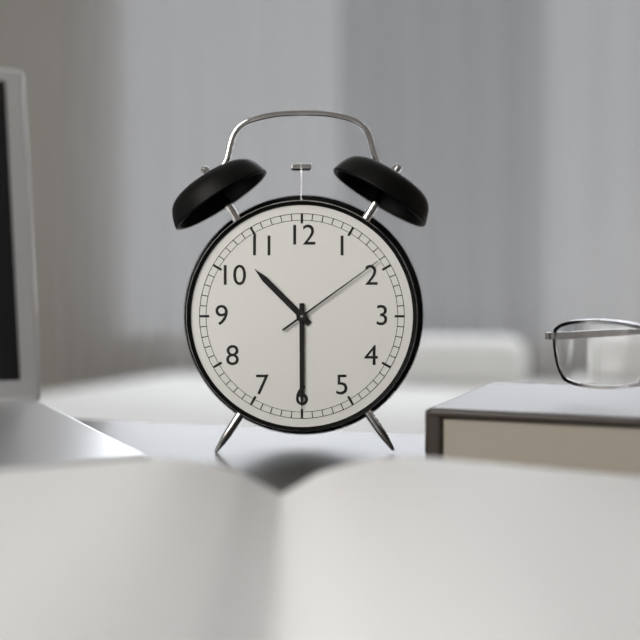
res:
h=10 m=30 s=9
